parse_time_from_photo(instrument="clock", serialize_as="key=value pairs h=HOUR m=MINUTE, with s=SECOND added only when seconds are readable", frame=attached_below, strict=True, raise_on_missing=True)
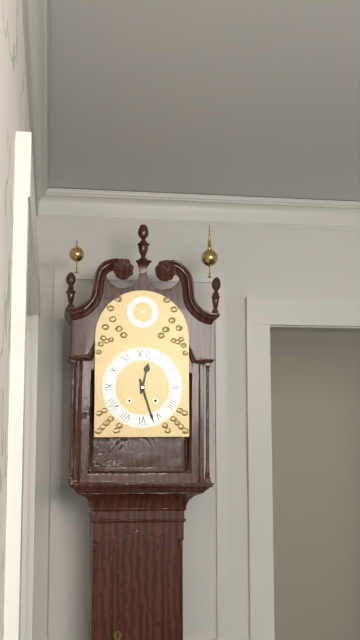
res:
h=12 m=27
